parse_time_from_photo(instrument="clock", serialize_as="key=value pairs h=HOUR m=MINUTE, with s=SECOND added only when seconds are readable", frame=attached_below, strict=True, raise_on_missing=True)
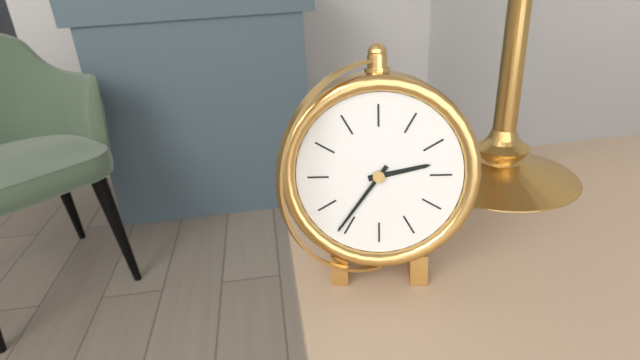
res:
h=2 m=36
